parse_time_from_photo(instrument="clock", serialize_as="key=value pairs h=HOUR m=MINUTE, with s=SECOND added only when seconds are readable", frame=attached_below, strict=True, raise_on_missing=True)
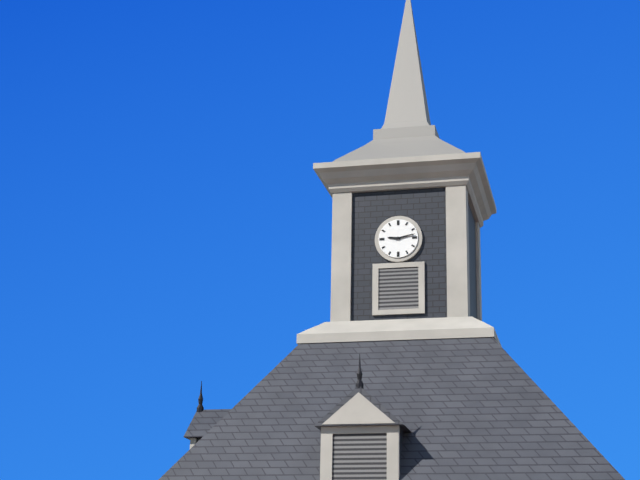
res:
h=9 m=13
